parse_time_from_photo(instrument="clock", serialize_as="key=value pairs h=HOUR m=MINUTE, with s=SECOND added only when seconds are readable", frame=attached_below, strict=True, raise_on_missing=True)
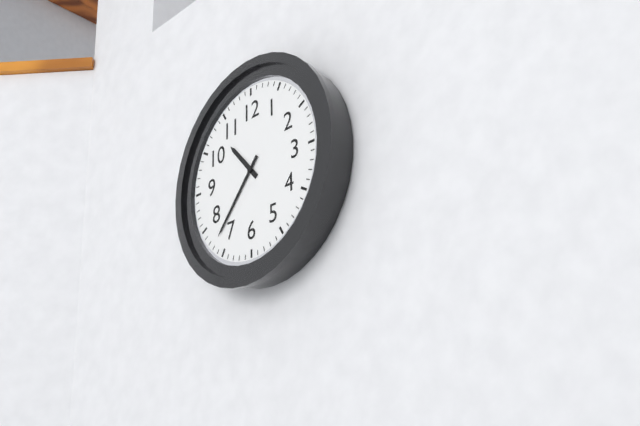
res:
h=10 m=37
